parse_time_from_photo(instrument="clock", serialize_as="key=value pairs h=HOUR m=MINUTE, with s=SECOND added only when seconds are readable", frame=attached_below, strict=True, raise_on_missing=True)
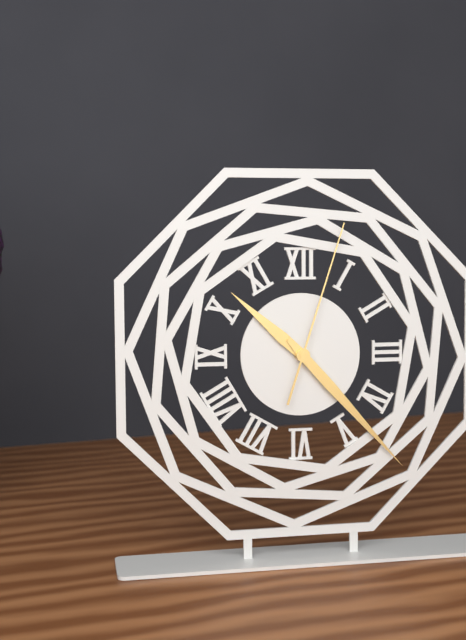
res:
h=10 m=23 s=3
